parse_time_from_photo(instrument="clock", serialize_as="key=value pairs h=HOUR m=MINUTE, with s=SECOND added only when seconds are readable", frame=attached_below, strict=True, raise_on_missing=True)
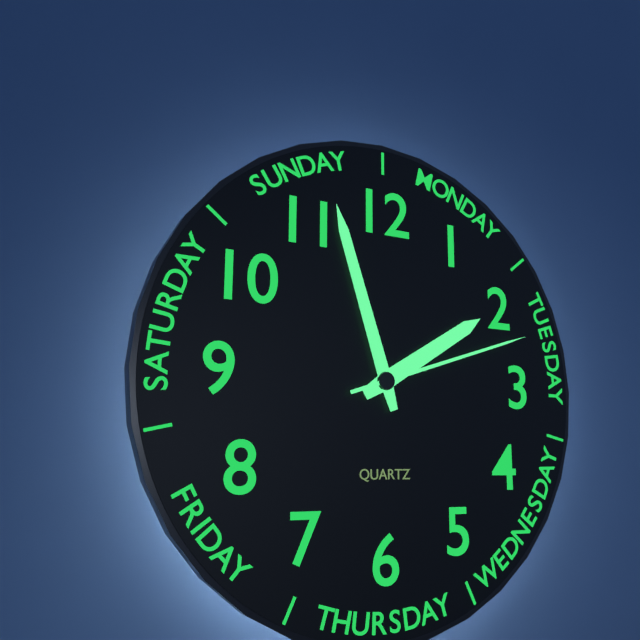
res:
h=1 m=57 s=12
